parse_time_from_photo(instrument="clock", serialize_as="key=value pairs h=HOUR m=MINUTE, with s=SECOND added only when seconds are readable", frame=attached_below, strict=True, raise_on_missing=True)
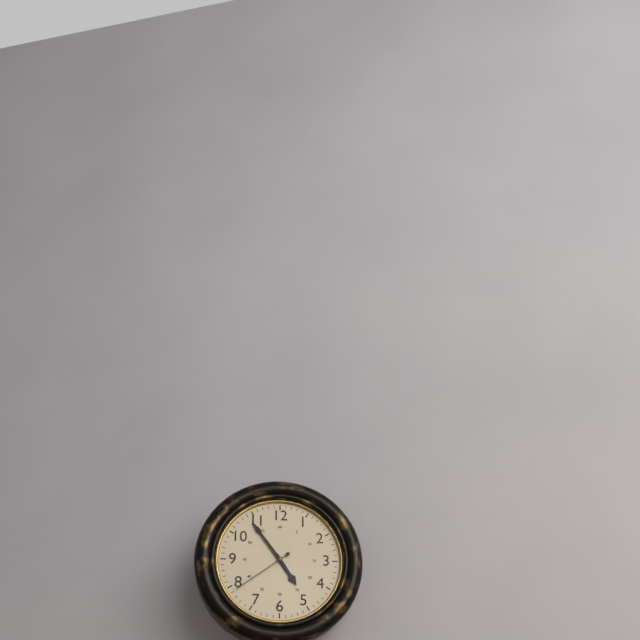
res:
h=4 m=54 s=39
